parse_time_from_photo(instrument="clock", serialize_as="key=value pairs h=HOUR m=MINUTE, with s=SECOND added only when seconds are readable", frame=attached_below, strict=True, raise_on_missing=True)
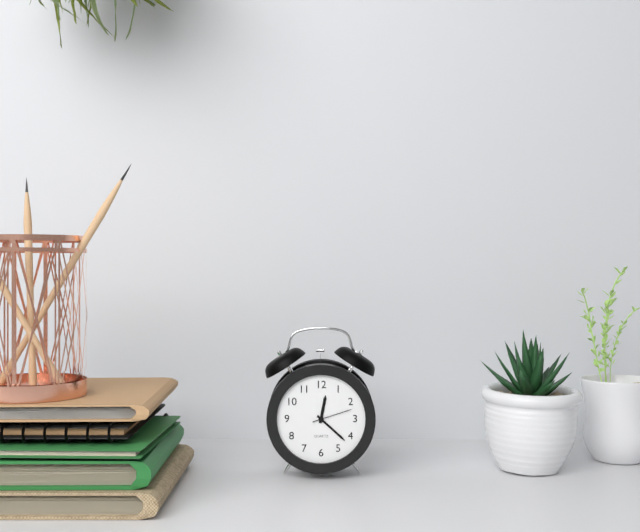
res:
h=12 m=22
